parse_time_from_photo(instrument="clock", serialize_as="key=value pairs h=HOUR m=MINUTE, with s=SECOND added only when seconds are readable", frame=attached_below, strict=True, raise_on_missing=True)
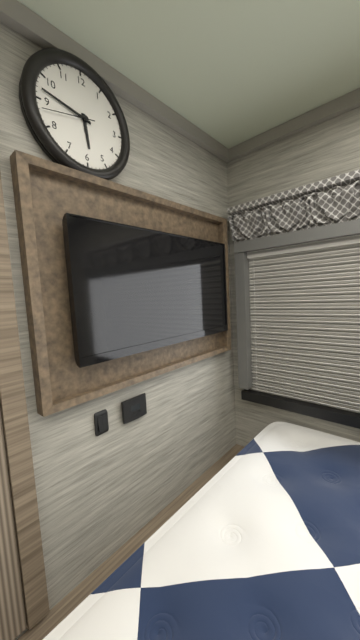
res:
h=5 m=47 s=43
